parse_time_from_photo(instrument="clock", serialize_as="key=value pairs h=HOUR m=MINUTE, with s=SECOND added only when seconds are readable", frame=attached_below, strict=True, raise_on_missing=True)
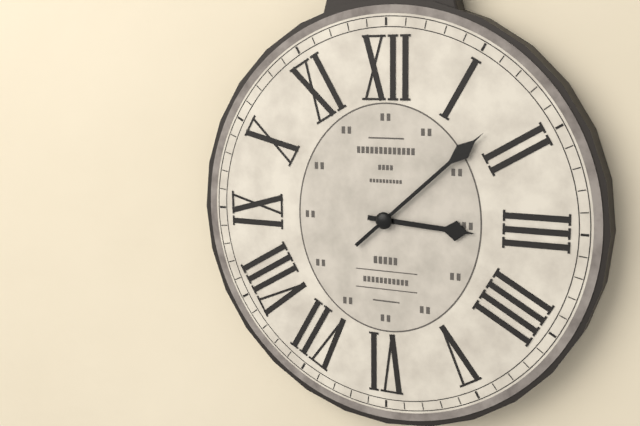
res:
h=3 m=8
